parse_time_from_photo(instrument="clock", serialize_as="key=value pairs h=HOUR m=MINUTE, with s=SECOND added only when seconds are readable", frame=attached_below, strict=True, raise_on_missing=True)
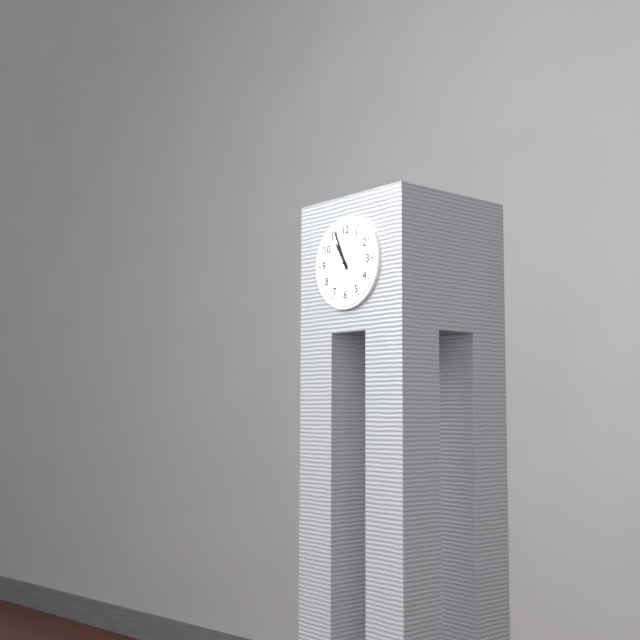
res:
h=10 m=56
